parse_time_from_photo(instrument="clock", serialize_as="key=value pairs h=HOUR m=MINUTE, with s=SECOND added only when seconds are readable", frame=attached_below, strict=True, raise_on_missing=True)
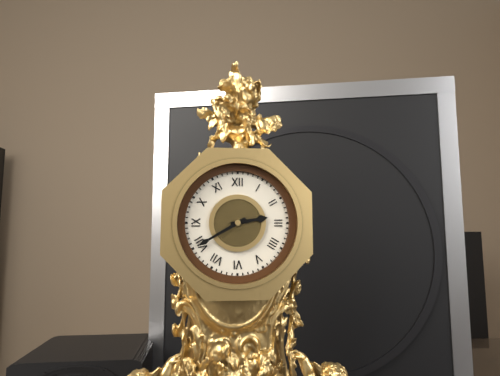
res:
h=2 m=40
